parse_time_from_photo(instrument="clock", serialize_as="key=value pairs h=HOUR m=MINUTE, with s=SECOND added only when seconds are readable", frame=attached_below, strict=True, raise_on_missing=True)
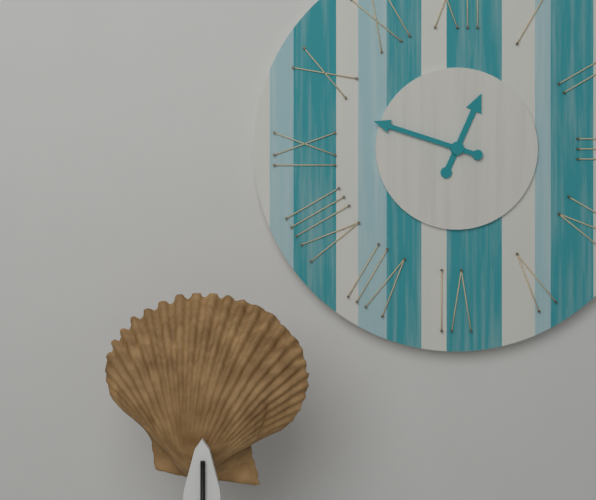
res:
h=12 m=48
